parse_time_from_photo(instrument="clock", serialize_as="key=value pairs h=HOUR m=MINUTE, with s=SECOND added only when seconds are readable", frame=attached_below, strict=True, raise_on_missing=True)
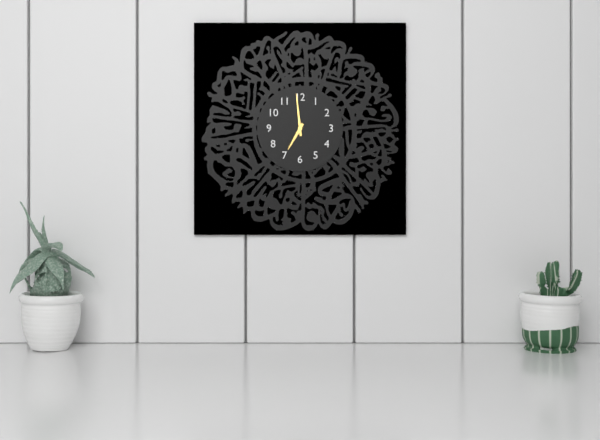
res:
h=6 m=59
